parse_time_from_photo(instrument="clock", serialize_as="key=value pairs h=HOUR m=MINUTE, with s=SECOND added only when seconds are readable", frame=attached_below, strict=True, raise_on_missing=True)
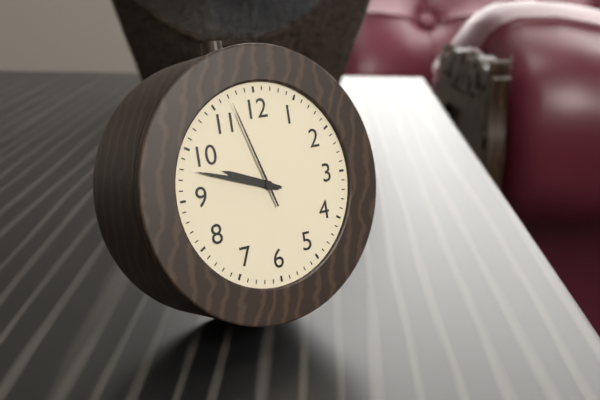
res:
h=9 m=48 s=57
